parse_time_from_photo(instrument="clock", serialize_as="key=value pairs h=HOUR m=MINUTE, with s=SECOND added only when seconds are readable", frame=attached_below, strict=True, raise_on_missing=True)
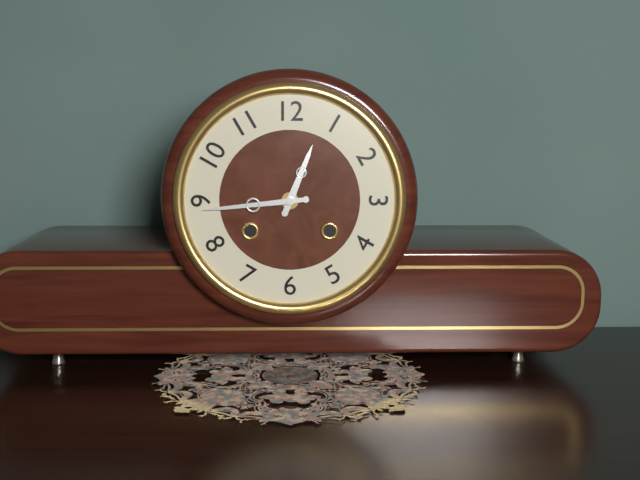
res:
h=12 m=44
